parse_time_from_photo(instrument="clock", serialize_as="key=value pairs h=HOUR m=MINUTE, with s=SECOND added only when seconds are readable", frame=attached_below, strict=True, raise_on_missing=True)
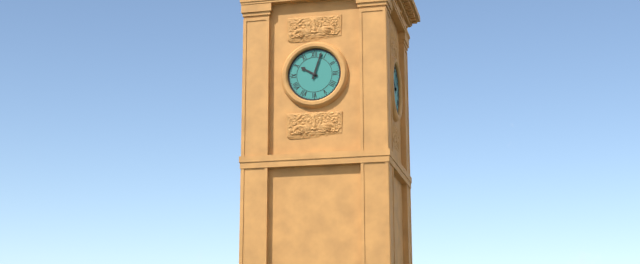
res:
h=10 m=3
